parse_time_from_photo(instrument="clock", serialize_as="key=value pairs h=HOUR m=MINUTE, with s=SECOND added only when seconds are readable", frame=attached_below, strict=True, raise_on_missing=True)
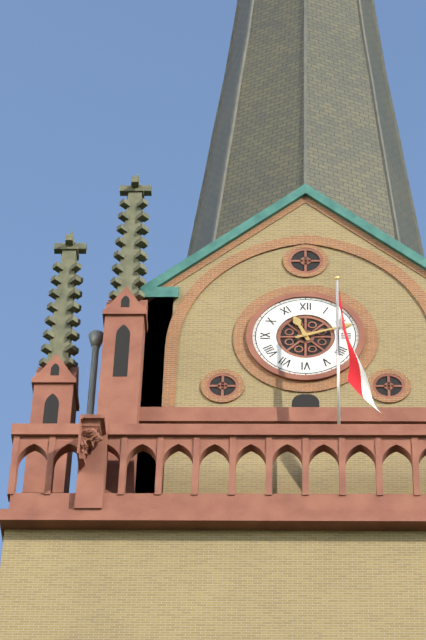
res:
h=11 m=12
